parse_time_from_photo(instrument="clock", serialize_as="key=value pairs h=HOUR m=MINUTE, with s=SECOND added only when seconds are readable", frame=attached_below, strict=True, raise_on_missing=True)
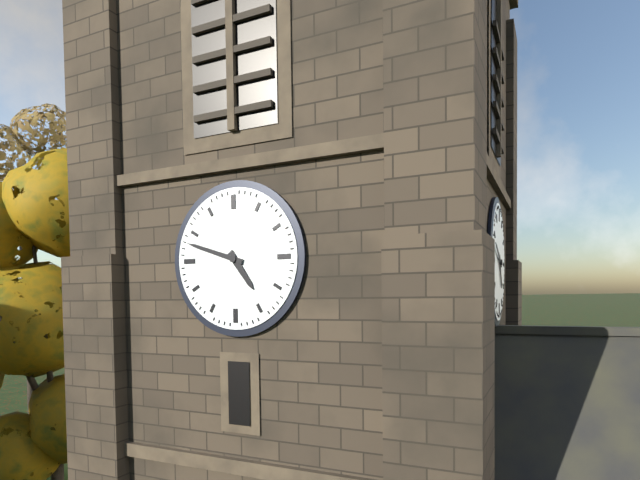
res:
h=4 m=48
